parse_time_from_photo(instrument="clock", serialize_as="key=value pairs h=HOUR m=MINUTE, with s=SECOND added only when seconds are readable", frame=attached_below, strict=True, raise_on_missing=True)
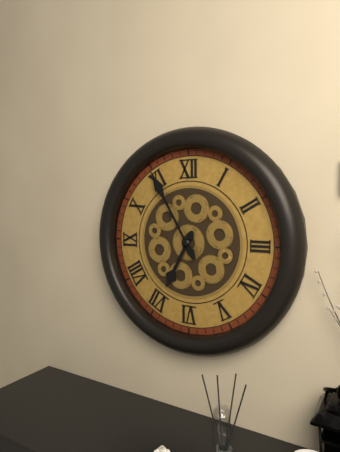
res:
h=6 m=55
